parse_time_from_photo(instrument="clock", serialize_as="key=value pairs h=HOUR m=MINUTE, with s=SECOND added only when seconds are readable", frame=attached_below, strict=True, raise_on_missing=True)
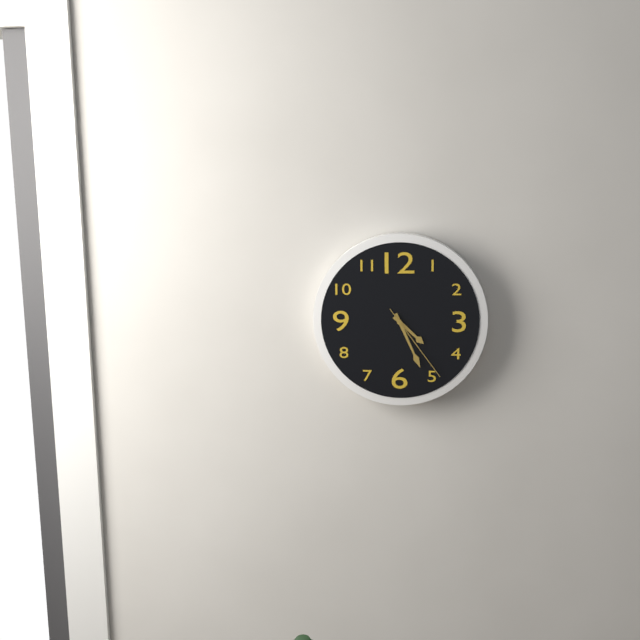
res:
h=4 m=26 s=24
